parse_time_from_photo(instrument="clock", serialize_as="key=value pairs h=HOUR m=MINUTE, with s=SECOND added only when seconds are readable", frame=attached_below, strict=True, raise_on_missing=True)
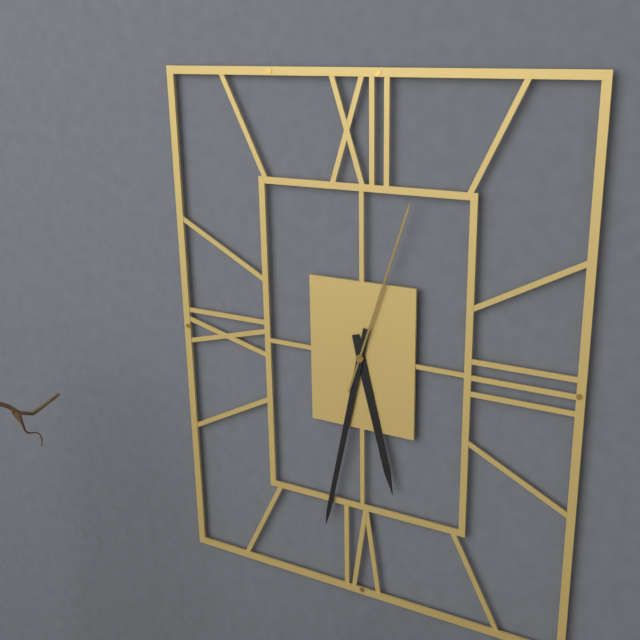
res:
h=5 m=32 s=3
